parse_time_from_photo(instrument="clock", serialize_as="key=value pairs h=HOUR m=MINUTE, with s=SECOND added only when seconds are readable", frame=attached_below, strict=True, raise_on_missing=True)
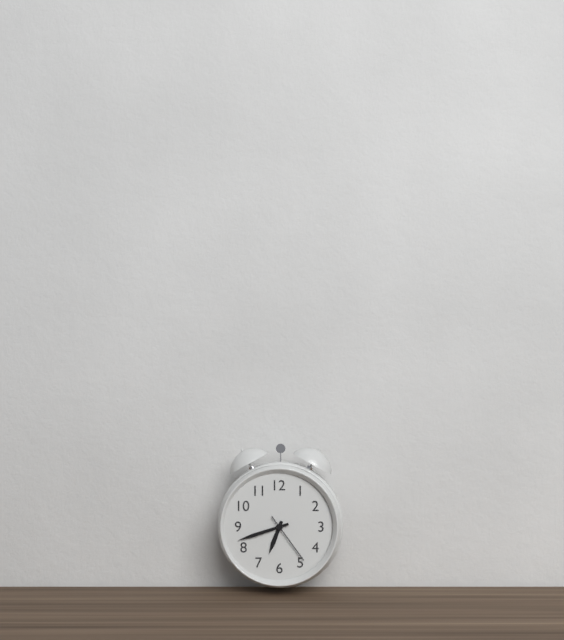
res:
h=6 m=42 s=24
